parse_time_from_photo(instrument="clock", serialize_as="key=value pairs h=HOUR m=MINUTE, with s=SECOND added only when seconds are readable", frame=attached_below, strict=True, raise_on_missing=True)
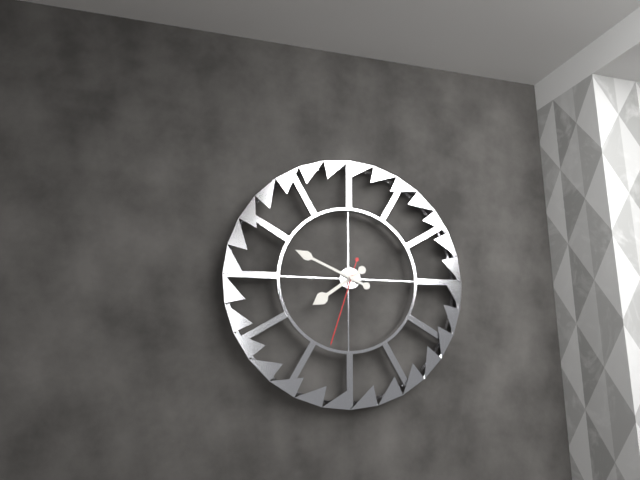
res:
h=7 m=49 s=33
